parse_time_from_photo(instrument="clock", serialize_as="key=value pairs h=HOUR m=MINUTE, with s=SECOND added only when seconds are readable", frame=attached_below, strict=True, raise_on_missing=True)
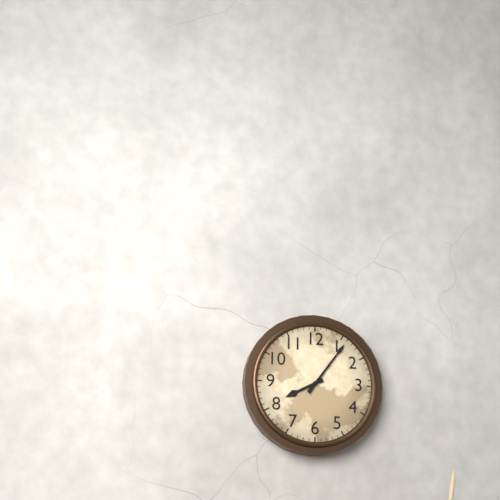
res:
h=8 m=6
